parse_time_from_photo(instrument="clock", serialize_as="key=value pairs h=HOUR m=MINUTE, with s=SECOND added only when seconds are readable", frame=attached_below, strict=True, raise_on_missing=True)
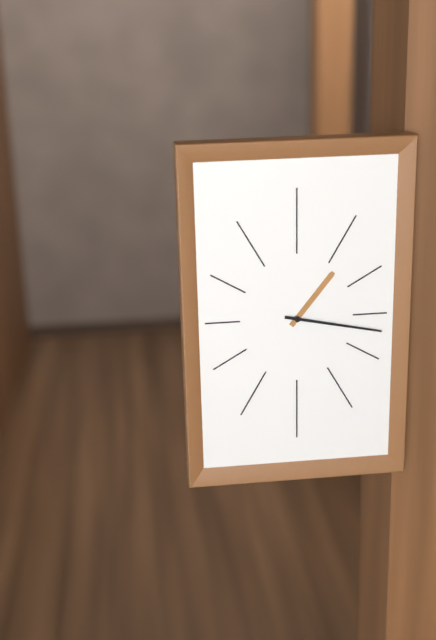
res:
h=1 m=17
